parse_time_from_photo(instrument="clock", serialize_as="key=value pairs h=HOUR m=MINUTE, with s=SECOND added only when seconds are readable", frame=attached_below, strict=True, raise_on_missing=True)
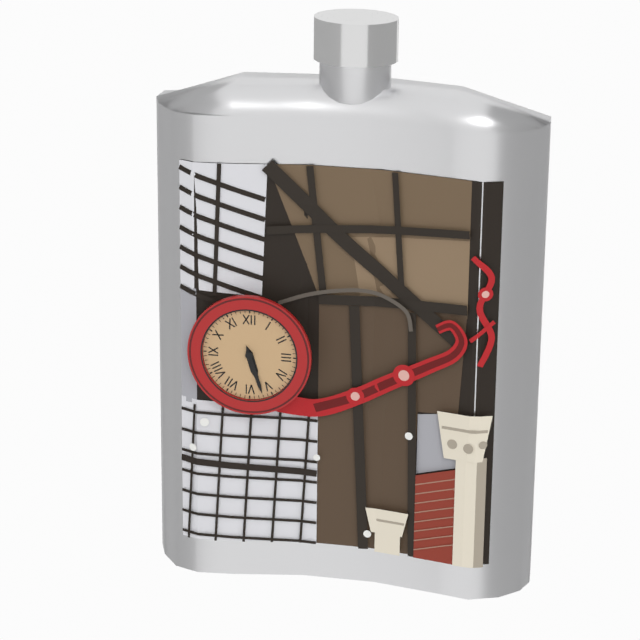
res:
h=5 m=27
